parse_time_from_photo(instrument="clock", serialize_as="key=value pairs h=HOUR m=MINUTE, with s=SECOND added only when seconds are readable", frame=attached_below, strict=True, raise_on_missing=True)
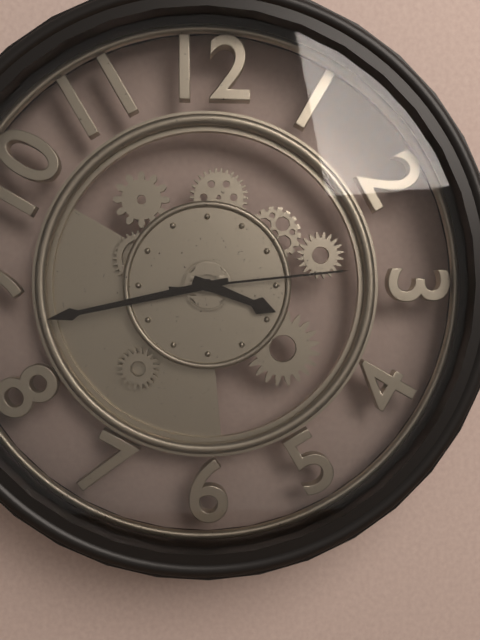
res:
h=3 m=43 s=14
